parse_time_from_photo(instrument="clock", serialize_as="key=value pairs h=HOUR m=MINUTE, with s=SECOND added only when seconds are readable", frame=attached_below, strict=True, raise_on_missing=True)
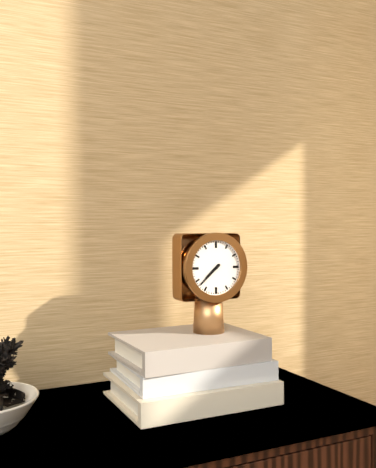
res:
h=7 m=38
